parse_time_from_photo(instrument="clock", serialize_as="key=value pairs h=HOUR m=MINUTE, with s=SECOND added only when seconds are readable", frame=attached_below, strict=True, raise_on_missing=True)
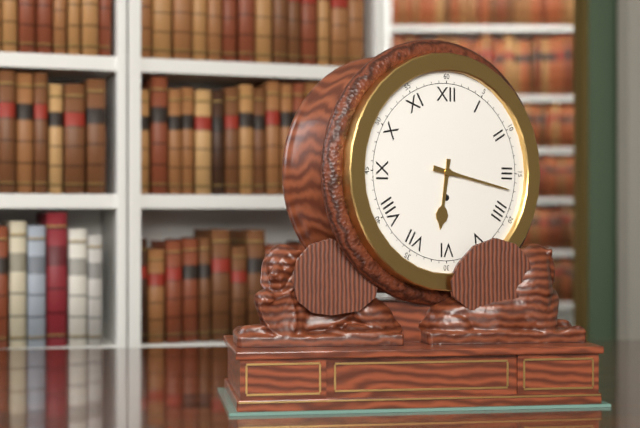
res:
h=6 m=17
